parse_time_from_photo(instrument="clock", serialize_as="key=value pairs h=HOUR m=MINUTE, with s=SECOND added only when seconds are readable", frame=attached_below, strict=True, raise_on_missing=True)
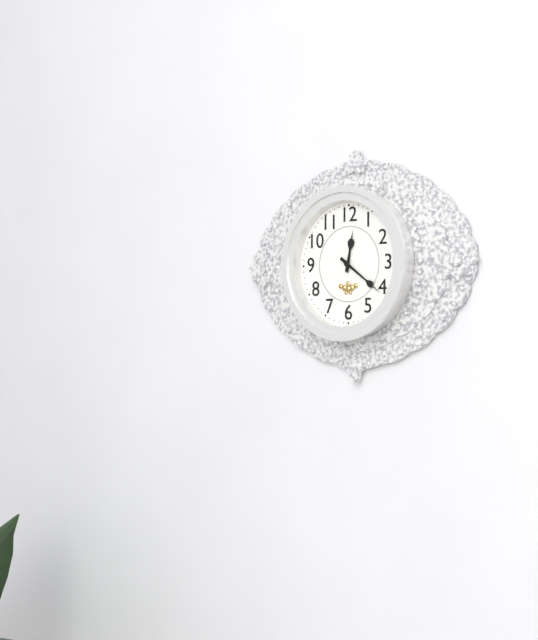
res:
h=12 m=21
